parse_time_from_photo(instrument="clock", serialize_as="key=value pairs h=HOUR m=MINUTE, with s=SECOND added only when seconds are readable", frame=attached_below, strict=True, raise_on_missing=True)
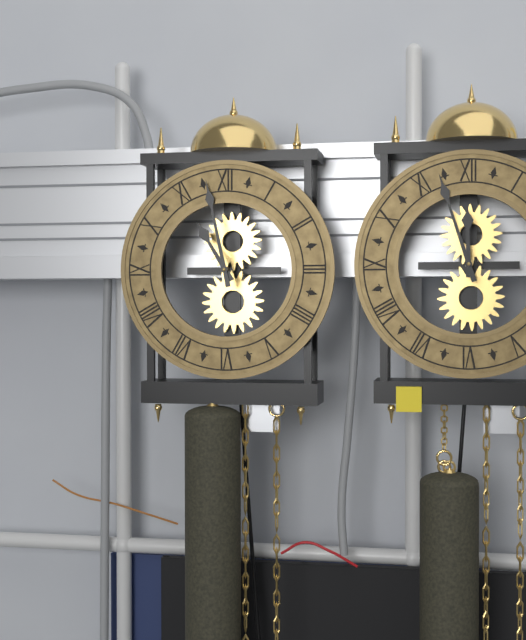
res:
h=10 m=58
